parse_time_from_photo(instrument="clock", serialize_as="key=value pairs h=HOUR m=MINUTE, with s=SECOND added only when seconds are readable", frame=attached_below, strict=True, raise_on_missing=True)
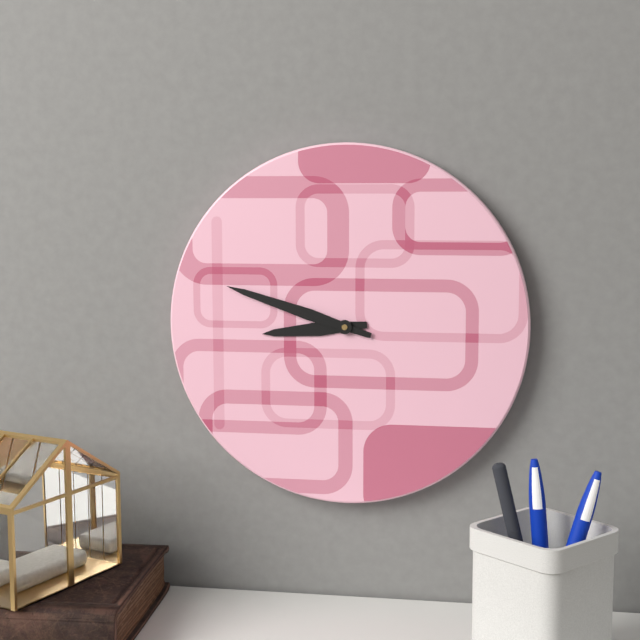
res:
h=8 m=48
